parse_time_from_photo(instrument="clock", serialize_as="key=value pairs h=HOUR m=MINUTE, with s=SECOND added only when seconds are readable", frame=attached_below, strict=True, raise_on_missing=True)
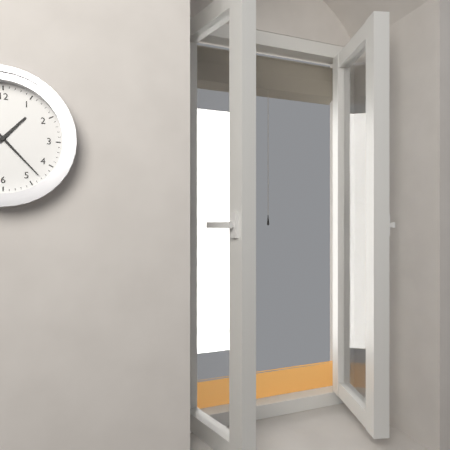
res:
h=1 m=23
